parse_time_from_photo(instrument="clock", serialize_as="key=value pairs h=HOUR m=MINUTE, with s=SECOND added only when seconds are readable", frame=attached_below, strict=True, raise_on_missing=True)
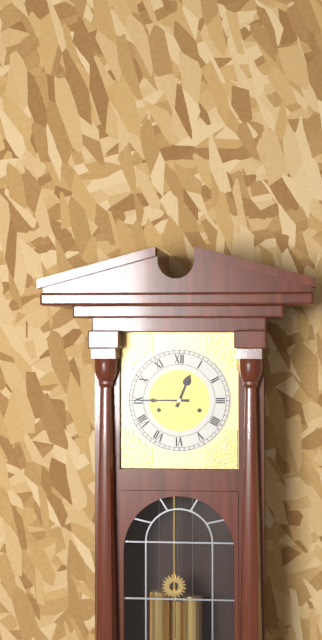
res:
h=12 m=45
